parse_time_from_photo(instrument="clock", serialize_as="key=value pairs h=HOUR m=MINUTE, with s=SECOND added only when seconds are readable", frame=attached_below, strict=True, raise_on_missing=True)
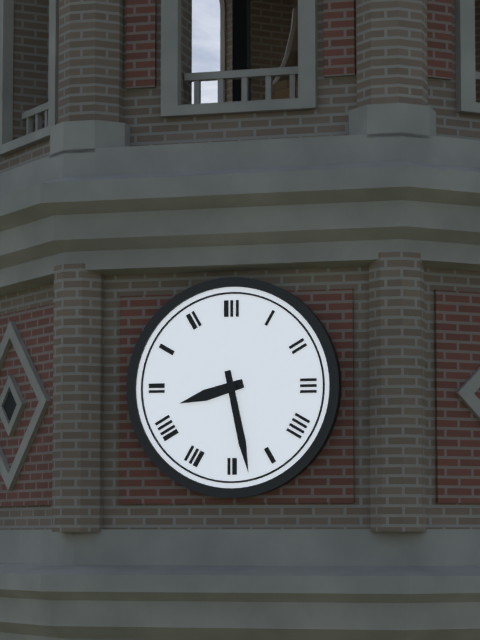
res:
h=8 m=28
